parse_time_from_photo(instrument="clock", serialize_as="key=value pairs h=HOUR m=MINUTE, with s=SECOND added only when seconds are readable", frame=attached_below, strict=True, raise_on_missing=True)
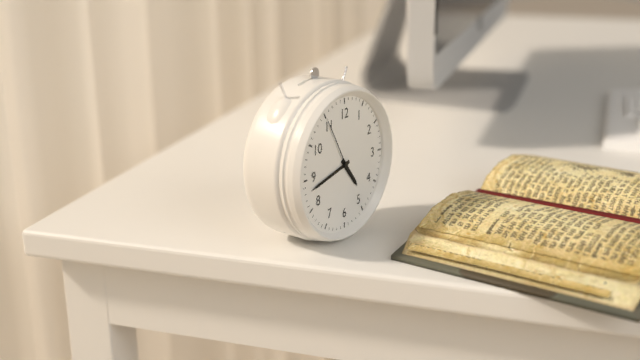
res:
h=4 m=43 s=55
